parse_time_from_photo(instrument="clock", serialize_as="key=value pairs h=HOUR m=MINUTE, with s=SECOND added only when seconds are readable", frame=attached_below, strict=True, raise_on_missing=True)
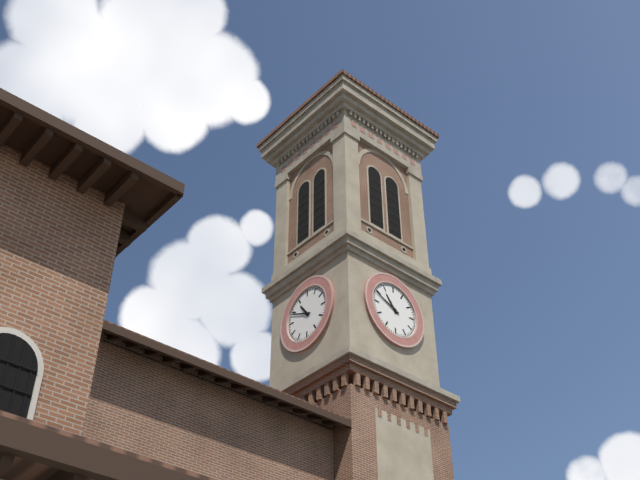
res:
h=10 m=49
